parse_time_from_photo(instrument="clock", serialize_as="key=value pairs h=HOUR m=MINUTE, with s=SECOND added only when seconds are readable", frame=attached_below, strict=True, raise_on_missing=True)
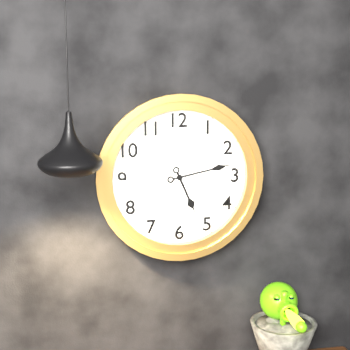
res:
h=5 m=13
